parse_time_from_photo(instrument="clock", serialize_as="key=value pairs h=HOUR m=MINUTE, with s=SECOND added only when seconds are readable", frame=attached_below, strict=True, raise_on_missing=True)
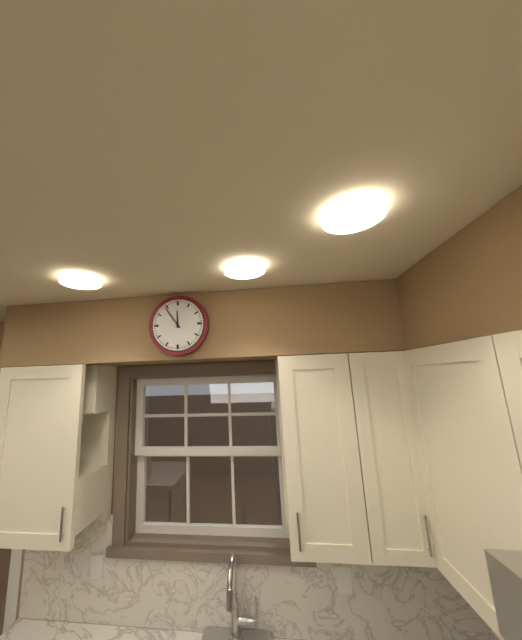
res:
h=11 m=54
